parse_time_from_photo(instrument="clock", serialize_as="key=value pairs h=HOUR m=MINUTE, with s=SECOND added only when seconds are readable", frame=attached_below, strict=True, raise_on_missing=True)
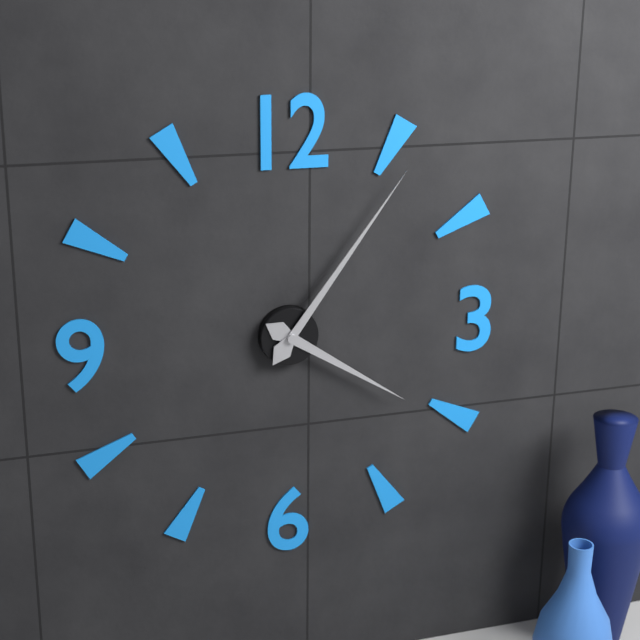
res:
h=4 m=6
